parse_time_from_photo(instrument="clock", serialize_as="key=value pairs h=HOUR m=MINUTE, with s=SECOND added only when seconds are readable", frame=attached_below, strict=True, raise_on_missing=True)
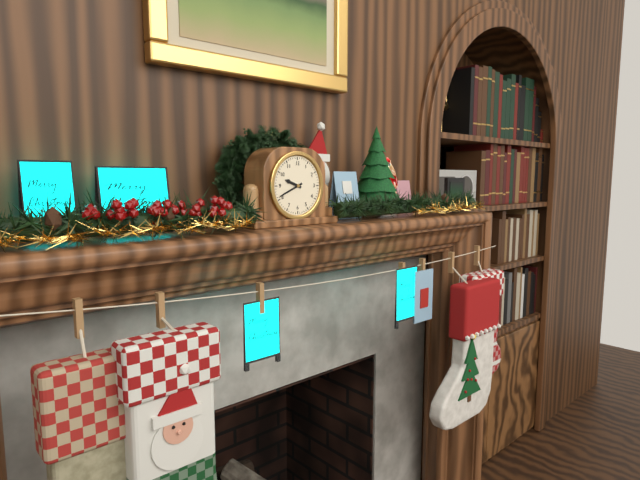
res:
h=9 m=41
